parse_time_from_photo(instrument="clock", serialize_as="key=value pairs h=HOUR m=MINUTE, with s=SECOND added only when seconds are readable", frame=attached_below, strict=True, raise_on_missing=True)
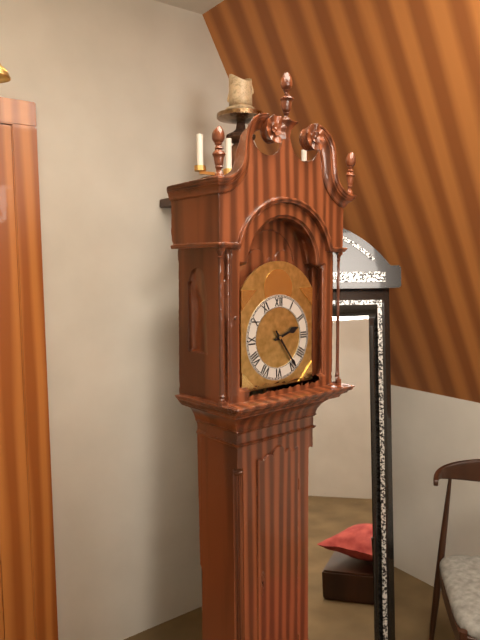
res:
h=2 m=24
